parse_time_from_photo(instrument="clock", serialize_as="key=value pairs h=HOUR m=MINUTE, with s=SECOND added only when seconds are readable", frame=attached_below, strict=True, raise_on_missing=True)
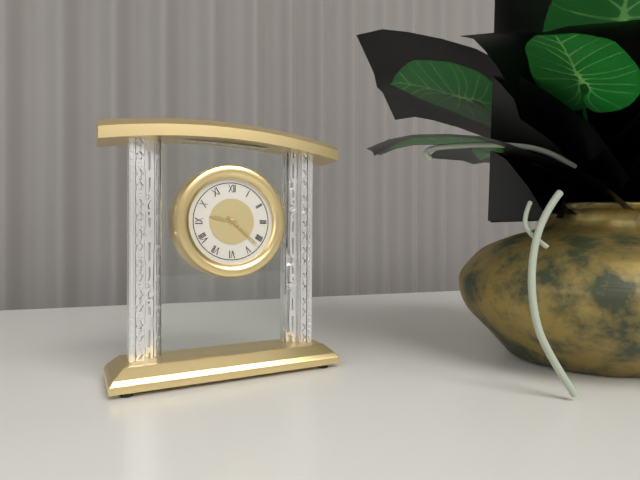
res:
h=9 m=22
